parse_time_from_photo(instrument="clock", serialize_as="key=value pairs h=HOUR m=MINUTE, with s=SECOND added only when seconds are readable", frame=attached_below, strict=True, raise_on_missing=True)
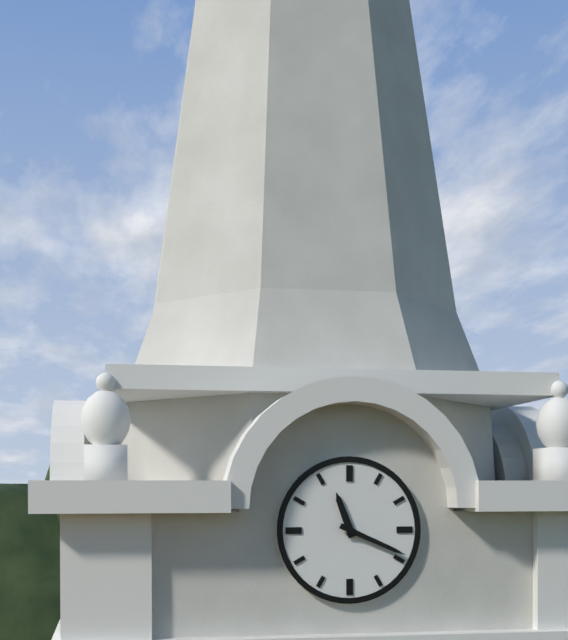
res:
h=11 m=19
